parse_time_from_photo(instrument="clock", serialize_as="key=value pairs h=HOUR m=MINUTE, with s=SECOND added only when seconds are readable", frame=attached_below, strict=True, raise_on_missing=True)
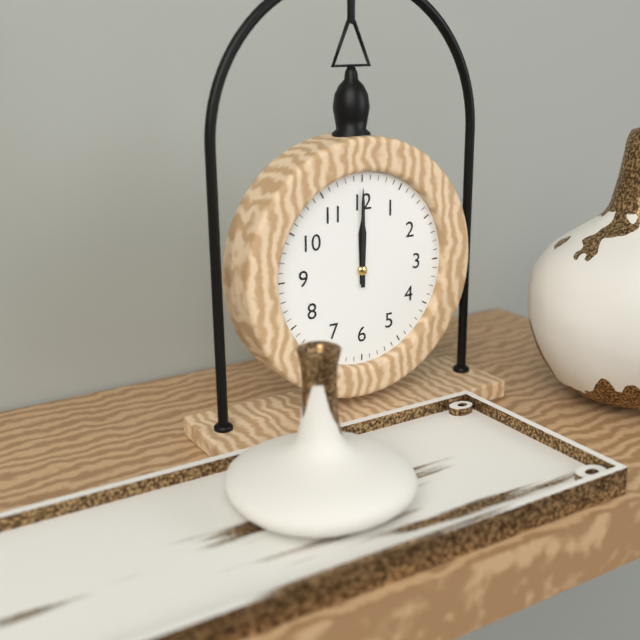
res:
h=12 m=0
